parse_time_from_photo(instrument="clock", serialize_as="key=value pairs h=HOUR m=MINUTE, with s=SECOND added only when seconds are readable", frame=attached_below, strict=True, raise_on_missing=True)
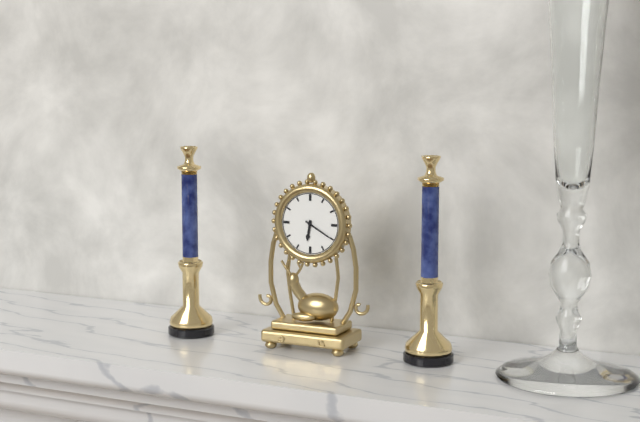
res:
h=6 m=20
